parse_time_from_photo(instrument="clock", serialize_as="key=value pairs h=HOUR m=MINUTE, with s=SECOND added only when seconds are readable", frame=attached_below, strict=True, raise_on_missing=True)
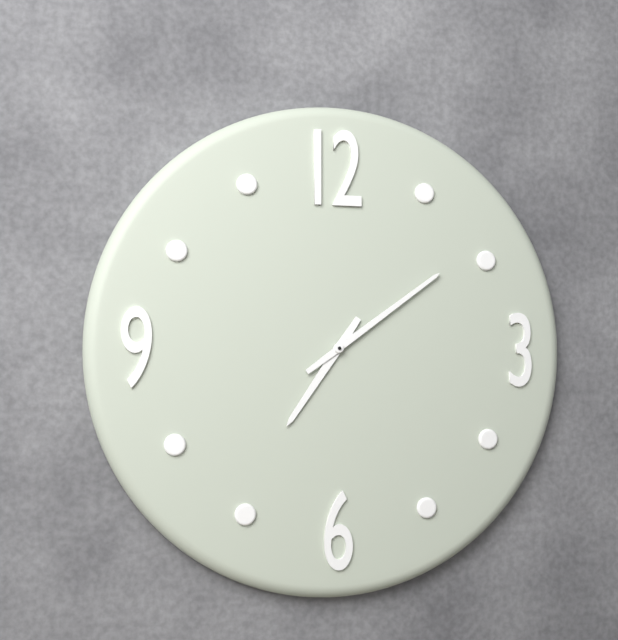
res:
h=7 m=9
